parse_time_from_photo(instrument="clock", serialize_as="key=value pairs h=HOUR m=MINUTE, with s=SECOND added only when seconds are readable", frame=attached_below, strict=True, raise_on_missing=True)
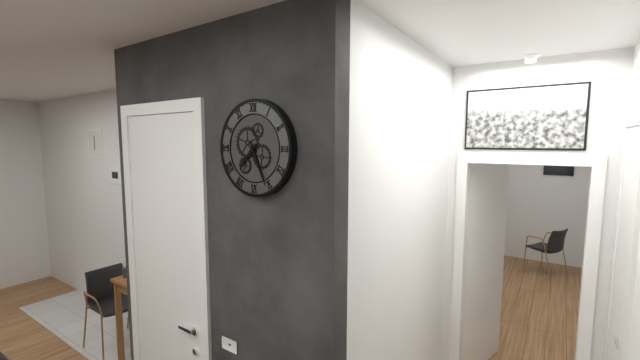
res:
h=7 m=26
